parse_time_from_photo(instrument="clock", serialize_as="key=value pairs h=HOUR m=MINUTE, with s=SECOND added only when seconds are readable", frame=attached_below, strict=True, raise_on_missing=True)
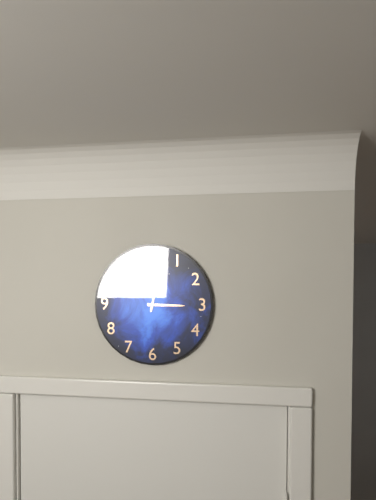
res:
h=3 m=2
